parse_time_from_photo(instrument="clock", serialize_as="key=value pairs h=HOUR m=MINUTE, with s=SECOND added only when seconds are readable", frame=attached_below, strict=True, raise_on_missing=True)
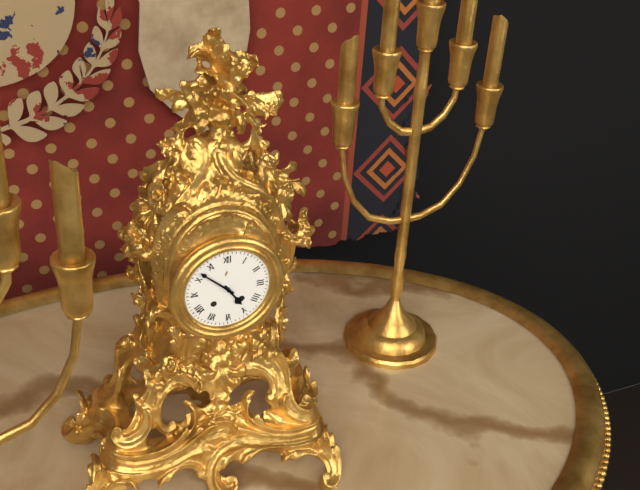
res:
h=4 m=52
